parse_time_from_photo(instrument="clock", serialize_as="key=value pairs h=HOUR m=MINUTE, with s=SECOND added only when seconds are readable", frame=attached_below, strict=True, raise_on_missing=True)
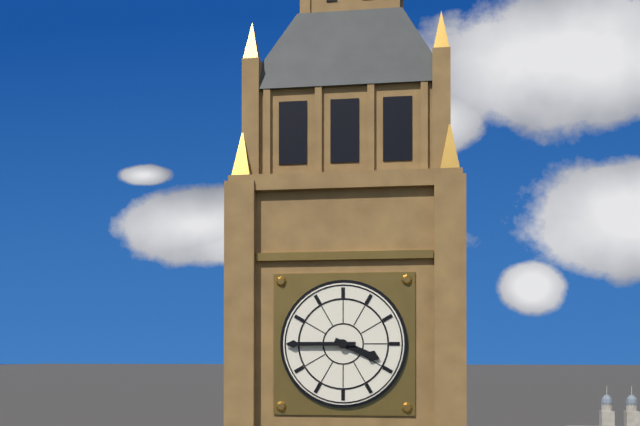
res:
h=3 m=45
